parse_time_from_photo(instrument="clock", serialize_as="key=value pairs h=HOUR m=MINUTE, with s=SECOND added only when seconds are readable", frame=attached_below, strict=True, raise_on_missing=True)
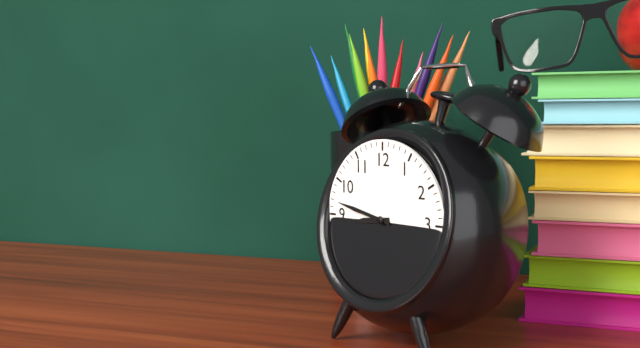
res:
h=8 m=47
